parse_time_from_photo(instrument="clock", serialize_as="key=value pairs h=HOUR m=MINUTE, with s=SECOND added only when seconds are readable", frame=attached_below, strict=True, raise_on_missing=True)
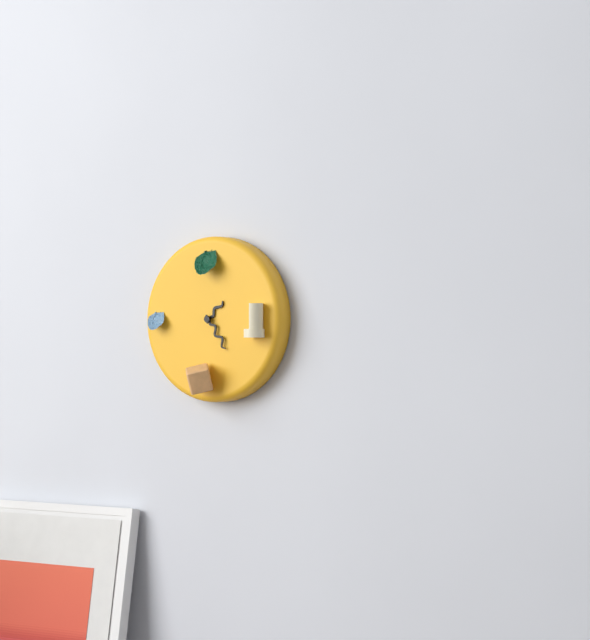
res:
h=1 m=24
